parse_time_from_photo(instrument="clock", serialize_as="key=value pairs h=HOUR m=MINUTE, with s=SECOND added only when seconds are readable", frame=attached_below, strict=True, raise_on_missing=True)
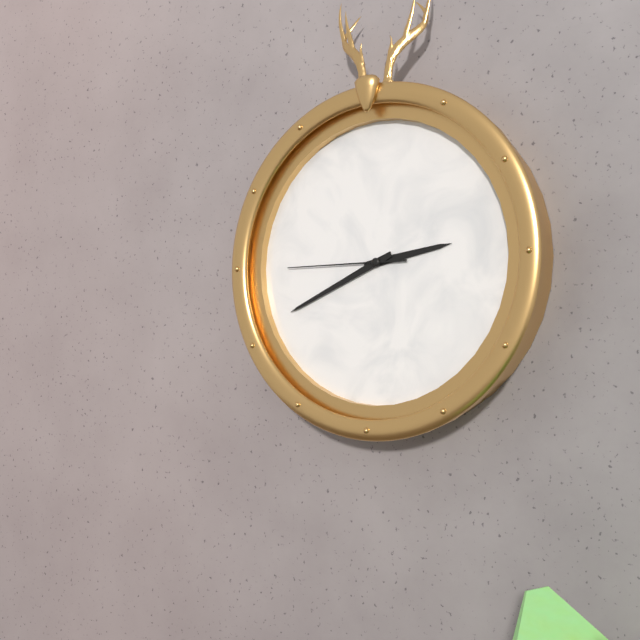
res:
h=2 m=41 s=45
